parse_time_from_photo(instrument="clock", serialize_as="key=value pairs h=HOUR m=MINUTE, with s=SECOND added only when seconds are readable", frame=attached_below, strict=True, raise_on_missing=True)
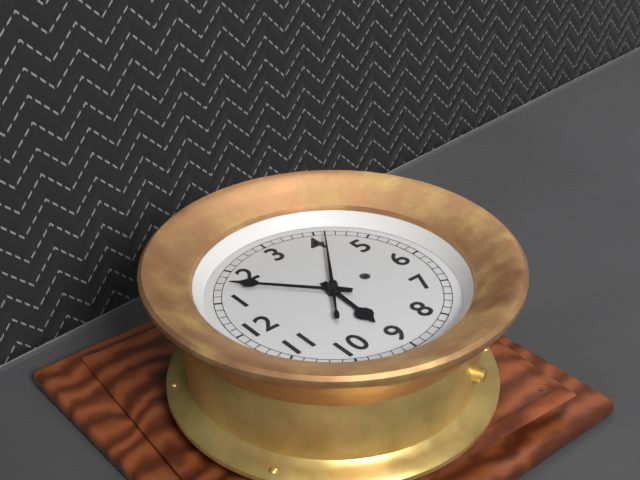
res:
h=9 m=8 s=21
